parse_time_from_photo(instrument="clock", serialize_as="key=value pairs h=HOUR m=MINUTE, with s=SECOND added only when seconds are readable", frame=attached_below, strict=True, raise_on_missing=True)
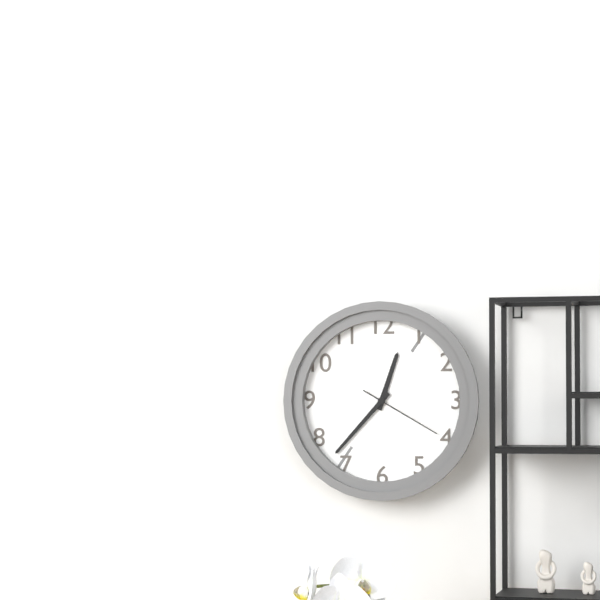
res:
h=12 m=37 s=20
